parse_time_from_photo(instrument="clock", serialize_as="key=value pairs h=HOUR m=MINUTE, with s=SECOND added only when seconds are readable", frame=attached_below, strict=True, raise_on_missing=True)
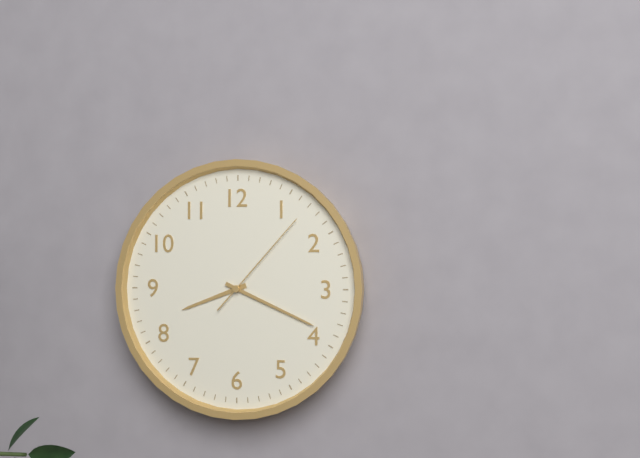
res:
h=8 m=19 s=7
